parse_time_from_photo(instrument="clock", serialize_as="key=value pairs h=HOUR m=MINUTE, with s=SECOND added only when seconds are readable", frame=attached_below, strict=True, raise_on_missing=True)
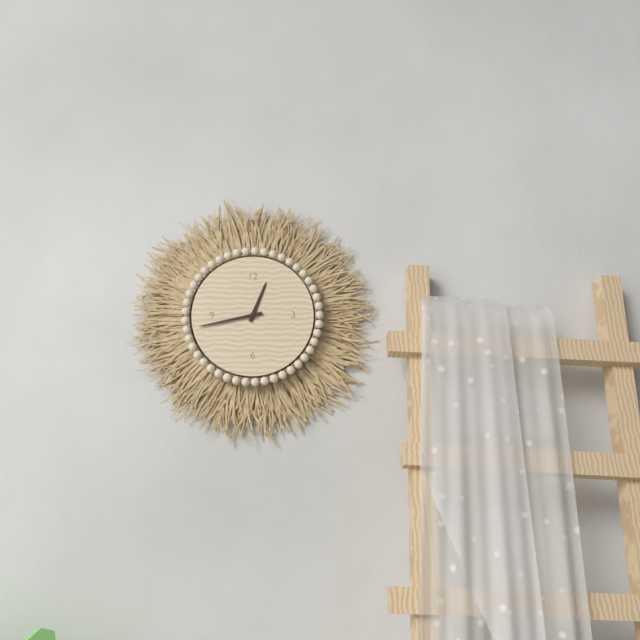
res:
h=12 m=43
